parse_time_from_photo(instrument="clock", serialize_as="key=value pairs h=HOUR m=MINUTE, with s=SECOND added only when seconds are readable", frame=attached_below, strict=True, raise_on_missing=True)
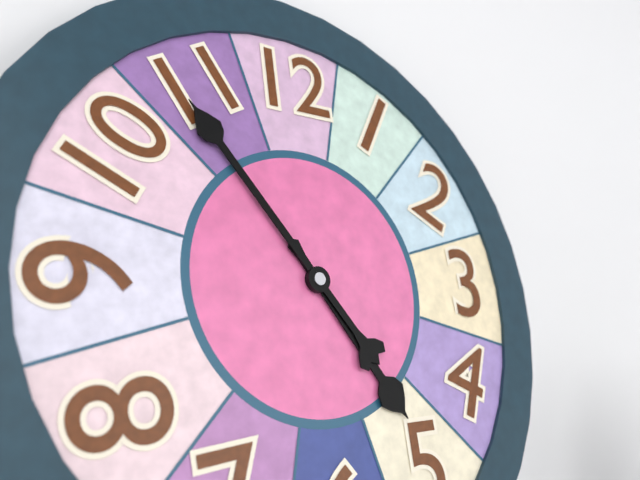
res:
h=4 m=54
